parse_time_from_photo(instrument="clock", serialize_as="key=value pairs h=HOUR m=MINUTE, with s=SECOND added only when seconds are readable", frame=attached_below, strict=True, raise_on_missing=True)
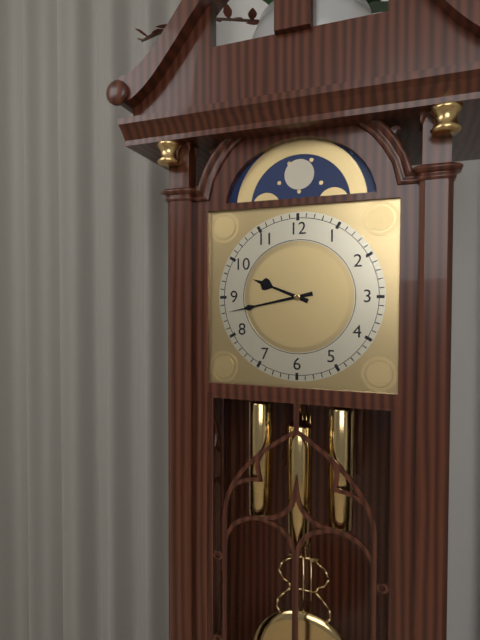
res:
h=9 m=43
